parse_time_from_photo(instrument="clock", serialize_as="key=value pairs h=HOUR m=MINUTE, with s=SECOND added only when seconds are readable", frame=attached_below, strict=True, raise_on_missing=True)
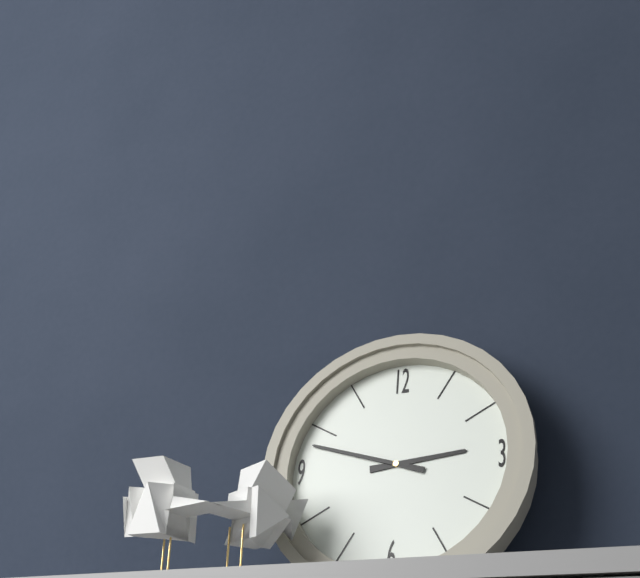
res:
h=2 m=48
